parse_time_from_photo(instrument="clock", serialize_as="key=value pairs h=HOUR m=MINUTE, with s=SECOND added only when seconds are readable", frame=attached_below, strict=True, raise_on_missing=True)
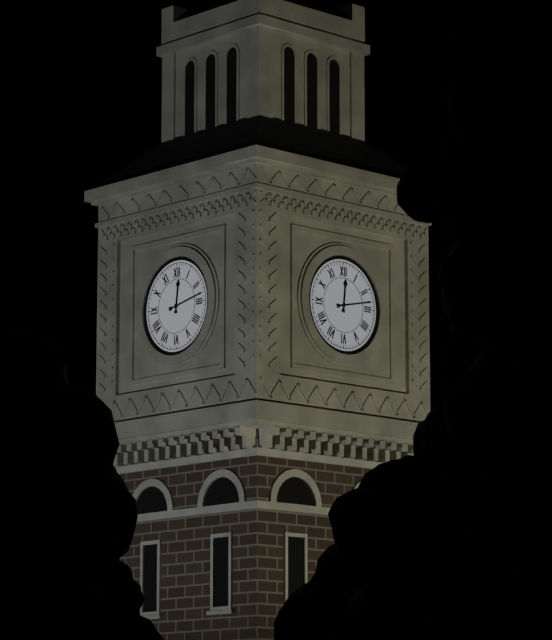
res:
h=12 m=13
